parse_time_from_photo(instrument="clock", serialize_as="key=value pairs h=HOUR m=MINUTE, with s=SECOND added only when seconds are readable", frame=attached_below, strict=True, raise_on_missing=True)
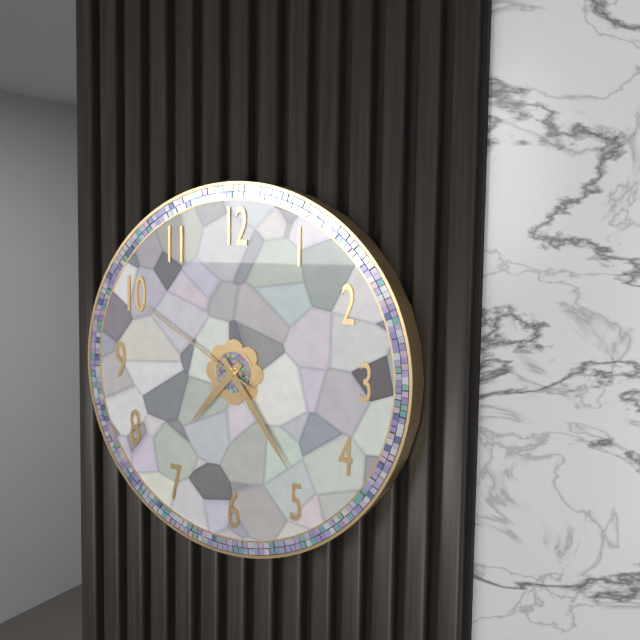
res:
h=7 m=24 s=50
